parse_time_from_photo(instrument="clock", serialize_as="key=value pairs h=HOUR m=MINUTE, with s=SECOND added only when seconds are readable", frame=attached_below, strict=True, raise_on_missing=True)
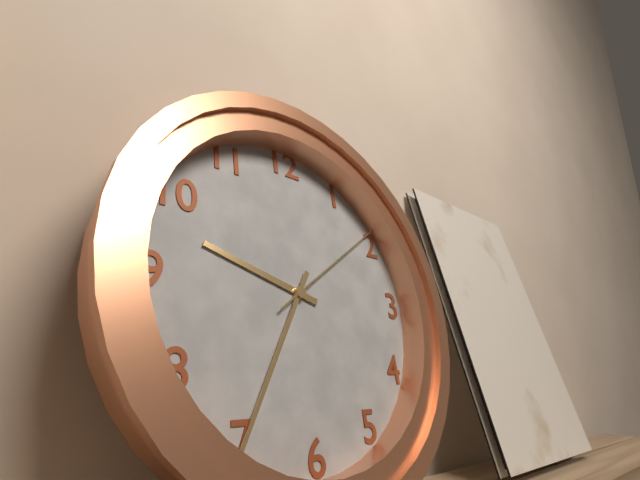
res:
h=9 m=35 s=9
